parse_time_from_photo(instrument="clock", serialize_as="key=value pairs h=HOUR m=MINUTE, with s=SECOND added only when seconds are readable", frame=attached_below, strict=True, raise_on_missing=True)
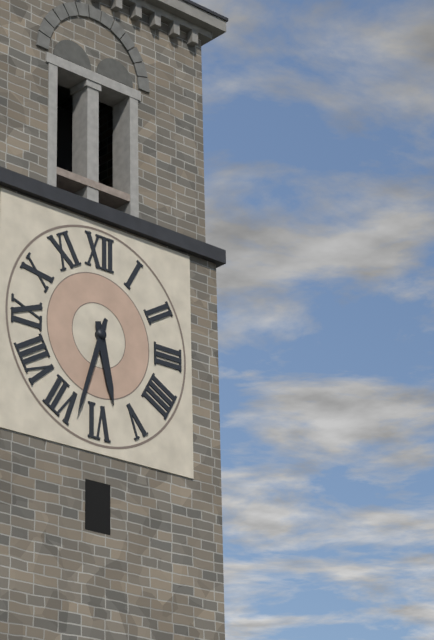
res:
h=5 m=33
